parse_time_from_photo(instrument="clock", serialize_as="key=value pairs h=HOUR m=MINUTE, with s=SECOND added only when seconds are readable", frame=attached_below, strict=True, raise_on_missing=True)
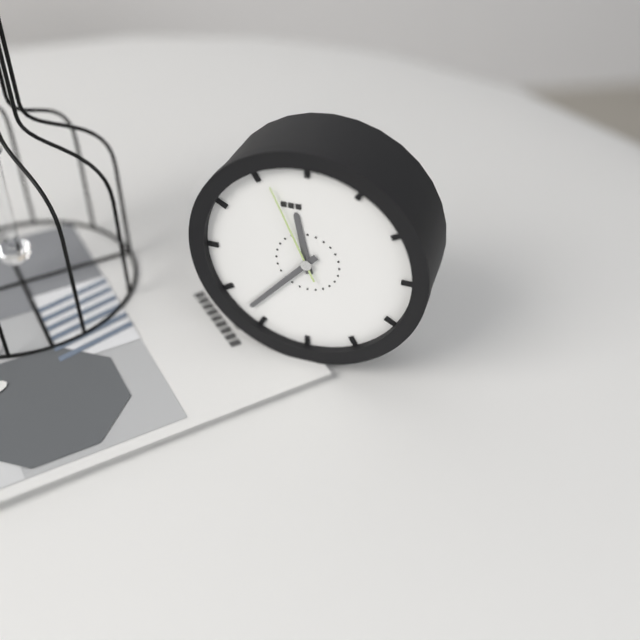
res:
h=11 m=37 s=56
